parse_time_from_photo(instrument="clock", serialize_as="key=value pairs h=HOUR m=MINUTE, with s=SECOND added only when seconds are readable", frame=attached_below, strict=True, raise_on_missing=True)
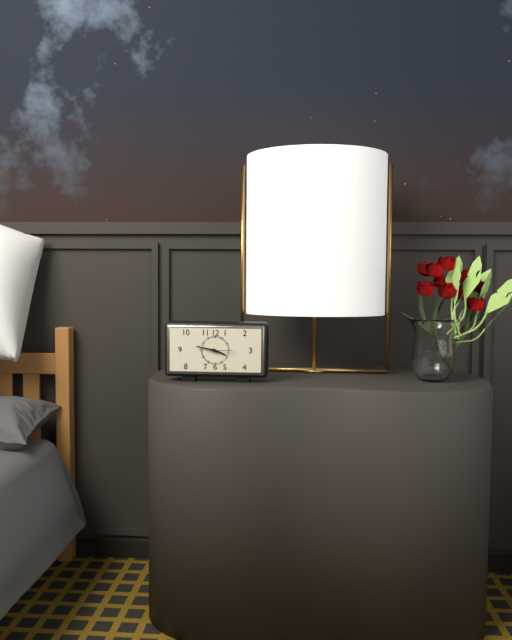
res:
h=3 m=47
